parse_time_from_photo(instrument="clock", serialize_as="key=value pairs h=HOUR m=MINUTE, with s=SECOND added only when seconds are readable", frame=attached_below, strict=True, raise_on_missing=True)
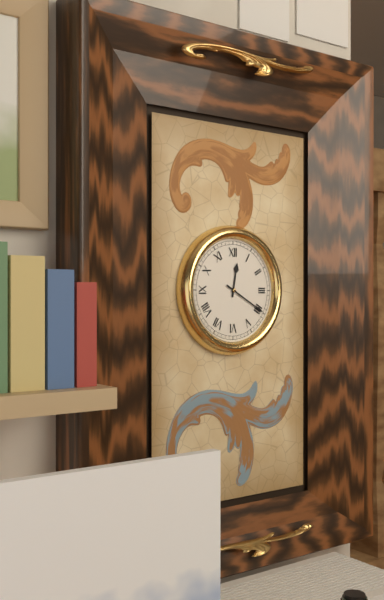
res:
h=12 m=20
